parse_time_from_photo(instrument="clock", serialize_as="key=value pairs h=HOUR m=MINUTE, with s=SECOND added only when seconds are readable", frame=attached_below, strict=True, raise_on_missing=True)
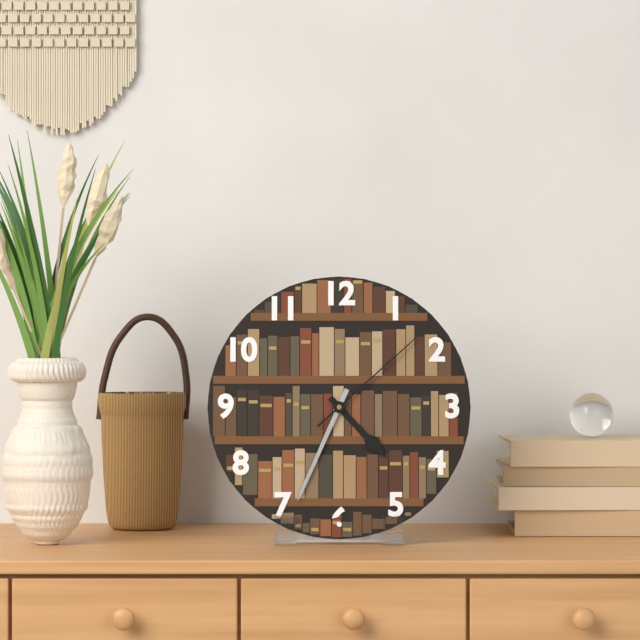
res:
h=4 m=34 s=8
